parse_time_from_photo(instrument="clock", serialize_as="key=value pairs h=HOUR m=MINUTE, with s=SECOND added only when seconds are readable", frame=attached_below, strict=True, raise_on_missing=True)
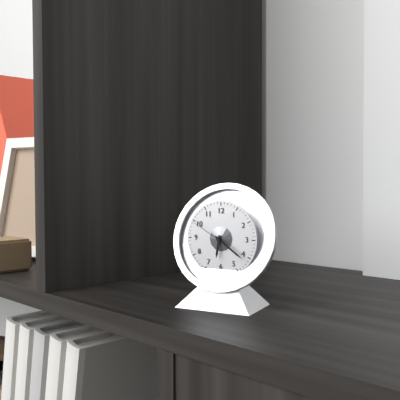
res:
h=6 m=21
